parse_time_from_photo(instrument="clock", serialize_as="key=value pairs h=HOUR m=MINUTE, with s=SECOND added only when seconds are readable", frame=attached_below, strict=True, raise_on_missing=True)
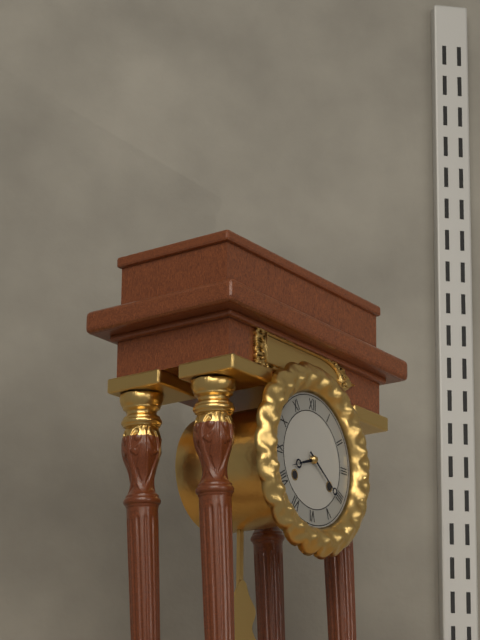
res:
h=8 m=21
